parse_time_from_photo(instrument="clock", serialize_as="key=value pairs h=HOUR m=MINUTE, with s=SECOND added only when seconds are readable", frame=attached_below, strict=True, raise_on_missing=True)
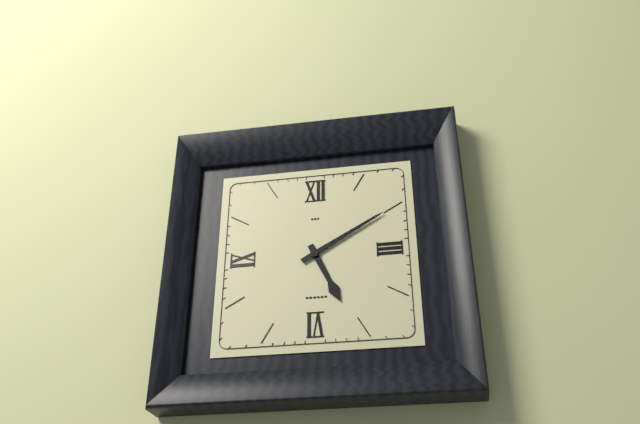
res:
h=5 m=10
